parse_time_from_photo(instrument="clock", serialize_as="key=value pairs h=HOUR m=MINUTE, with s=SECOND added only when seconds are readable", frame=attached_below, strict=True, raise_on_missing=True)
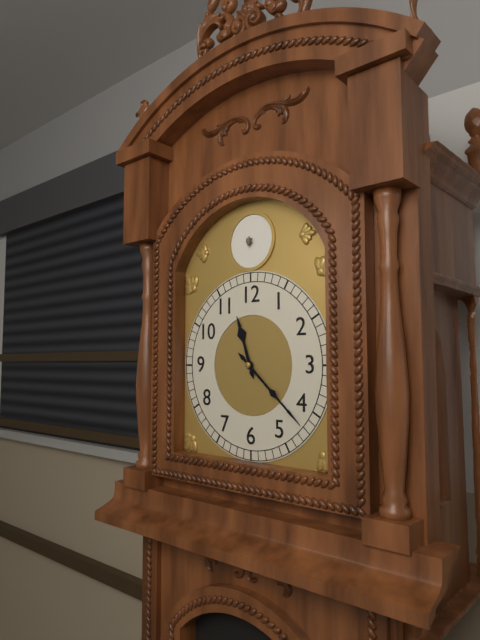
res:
h=11 m=22
